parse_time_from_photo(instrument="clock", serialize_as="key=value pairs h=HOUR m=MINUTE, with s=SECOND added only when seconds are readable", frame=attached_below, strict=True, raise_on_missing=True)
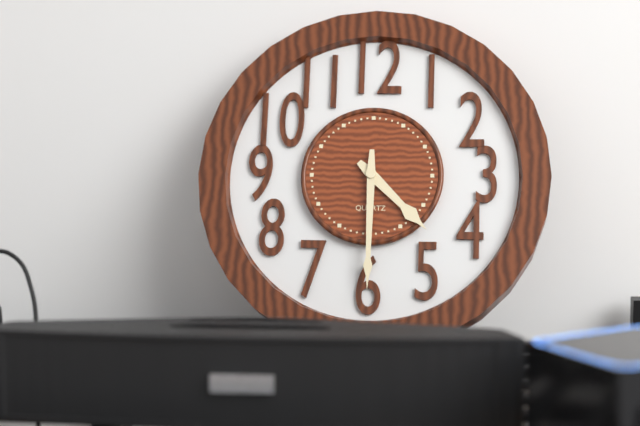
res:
h=4 m=30
